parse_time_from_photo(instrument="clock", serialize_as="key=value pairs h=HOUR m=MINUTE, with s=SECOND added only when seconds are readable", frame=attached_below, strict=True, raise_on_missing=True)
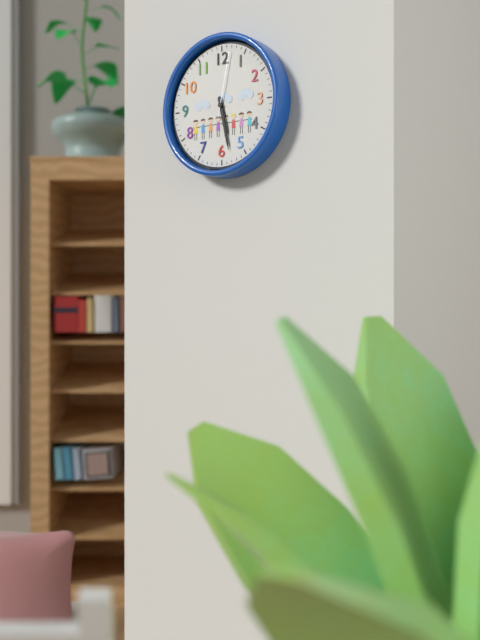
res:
h=5 m=28 s=2
